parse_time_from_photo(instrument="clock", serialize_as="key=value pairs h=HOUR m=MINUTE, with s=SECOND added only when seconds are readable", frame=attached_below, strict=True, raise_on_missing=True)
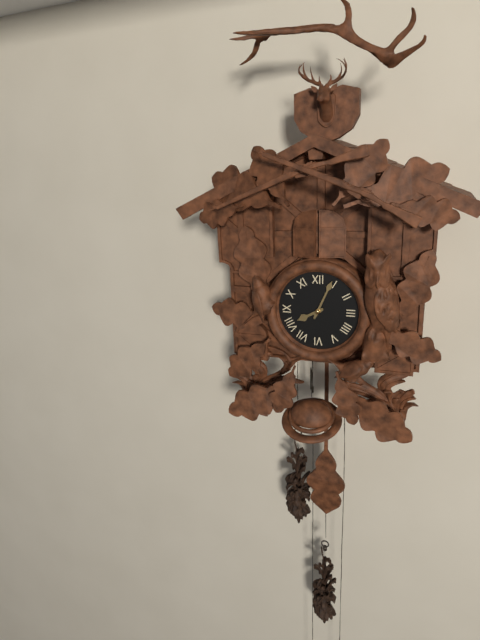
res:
h=8 m=4
